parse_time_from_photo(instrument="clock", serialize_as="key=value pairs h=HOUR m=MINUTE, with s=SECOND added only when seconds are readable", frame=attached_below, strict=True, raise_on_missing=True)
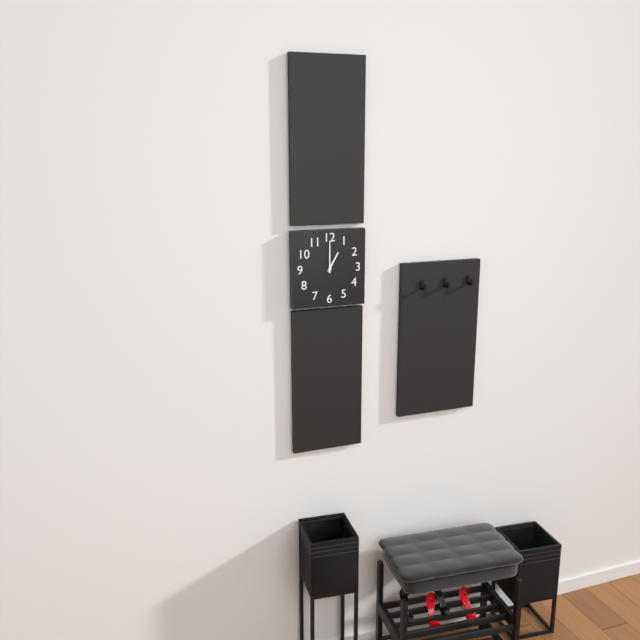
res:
h=1 m=0
